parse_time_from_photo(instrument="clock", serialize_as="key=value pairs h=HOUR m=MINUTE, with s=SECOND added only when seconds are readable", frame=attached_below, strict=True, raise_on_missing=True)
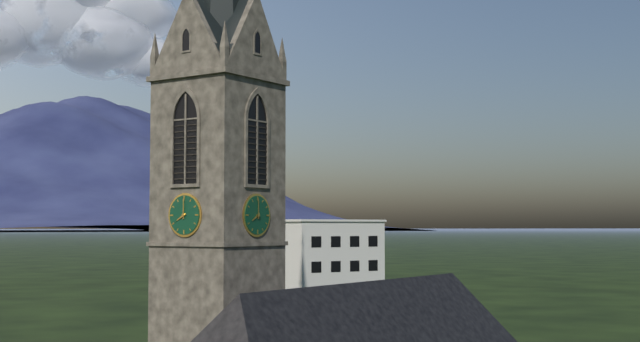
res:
h=8 m=0
